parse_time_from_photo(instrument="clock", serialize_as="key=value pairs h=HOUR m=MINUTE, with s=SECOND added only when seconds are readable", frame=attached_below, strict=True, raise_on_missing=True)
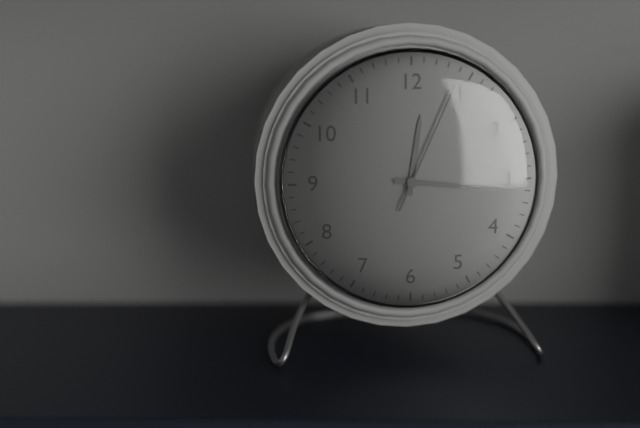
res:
h=12 m=16 s=4
